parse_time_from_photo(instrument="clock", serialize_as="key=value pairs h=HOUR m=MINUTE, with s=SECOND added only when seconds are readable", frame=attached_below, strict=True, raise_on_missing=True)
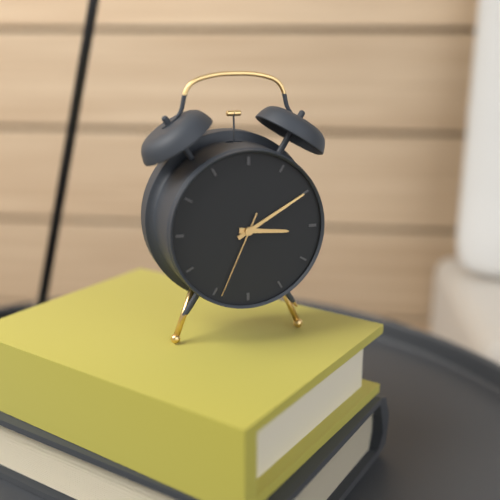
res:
h=3 m=10 s=34
